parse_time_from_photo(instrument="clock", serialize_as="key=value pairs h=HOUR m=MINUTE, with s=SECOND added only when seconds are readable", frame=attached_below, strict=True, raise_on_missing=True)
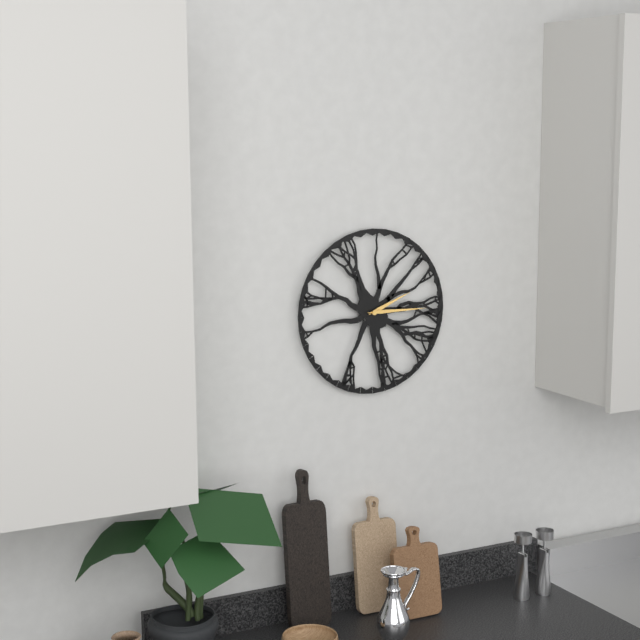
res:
h=2 m=15
